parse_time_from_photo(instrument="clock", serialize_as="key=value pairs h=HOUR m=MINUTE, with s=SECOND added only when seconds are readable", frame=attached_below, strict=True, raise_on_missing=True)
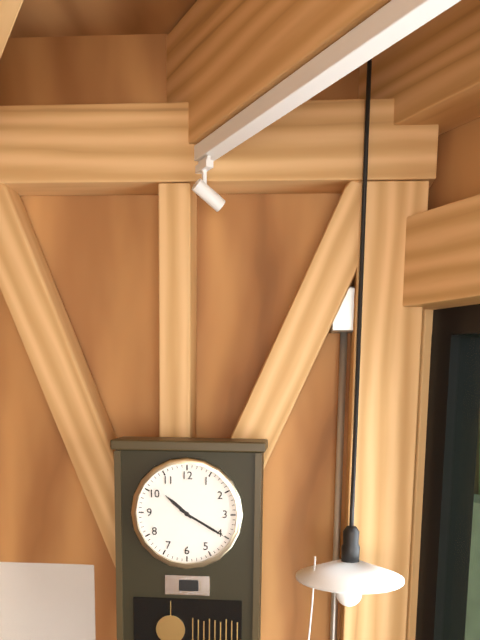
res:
h=10 m=20
